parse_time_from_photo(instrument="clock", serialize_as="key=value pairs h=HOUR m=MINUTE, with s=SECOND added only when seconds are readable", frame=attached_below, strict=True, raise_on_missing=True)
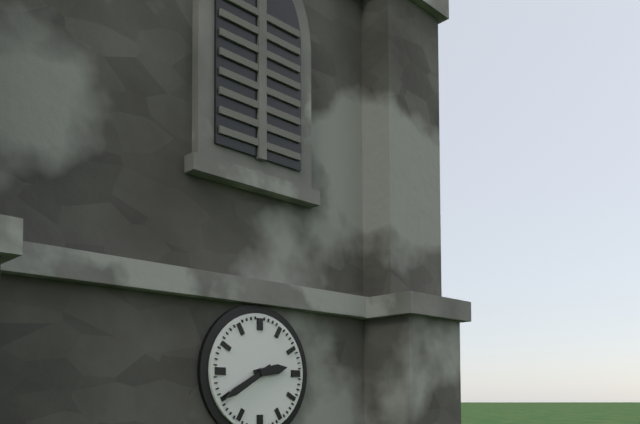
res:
h=2 m=40
